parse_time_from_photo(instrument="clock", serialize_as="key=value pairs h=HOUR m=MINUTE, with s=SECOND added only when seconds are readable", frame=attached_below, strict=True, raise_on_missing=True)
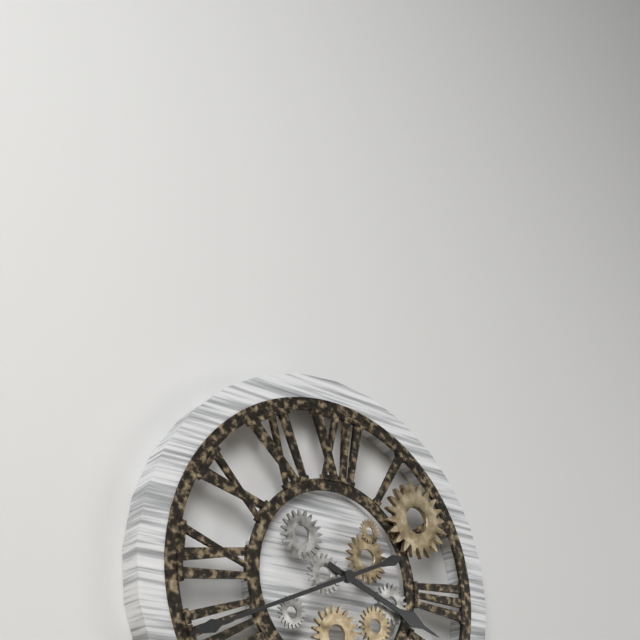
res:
h=3 m=41
